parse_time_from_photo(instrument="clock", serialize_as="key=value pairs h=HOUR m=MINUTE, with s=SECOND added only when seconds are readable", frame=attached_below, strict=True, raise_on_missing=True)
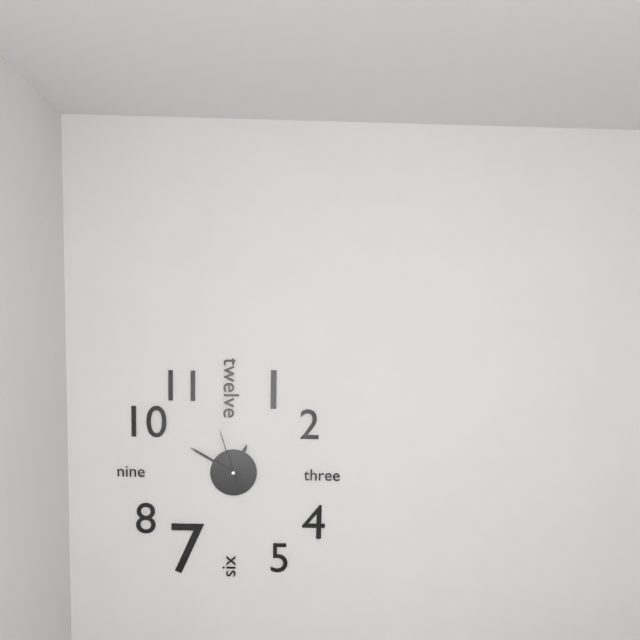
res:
h=12 m=50 s=57
